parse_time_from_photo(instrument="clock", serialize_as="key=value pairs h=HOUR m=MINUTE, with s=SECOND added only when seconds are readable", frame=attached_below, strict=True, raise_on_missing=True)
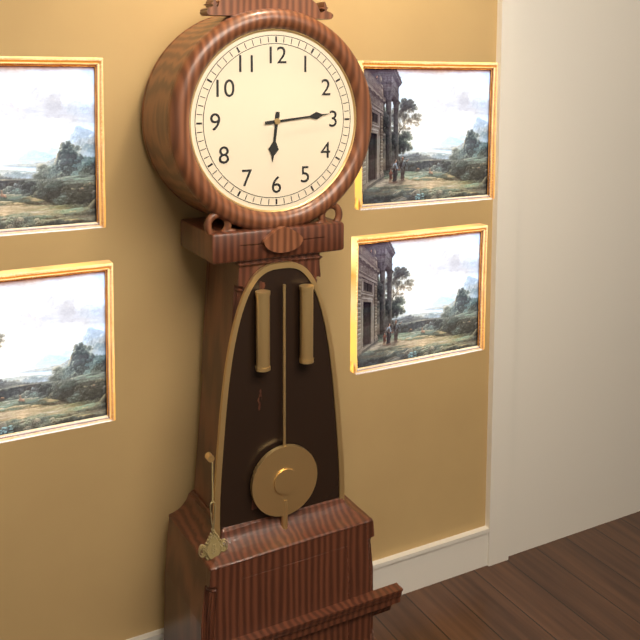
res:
h=6 m=14
